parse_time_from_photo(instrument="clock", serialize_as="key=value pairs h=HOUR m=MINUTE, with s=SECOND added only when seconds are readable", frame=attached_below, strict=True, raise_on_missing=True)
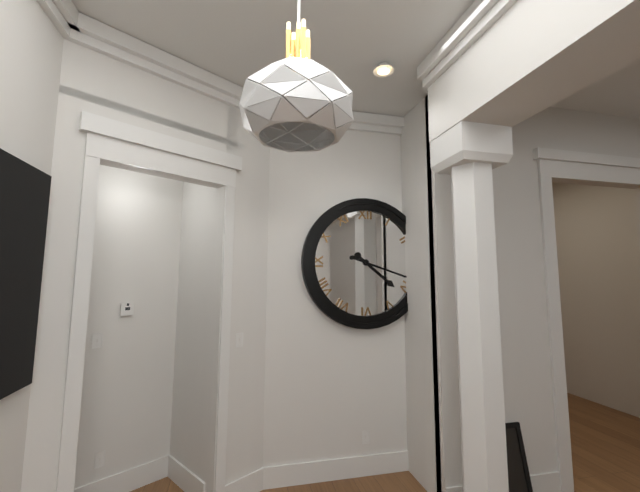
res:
h=4 m=18
